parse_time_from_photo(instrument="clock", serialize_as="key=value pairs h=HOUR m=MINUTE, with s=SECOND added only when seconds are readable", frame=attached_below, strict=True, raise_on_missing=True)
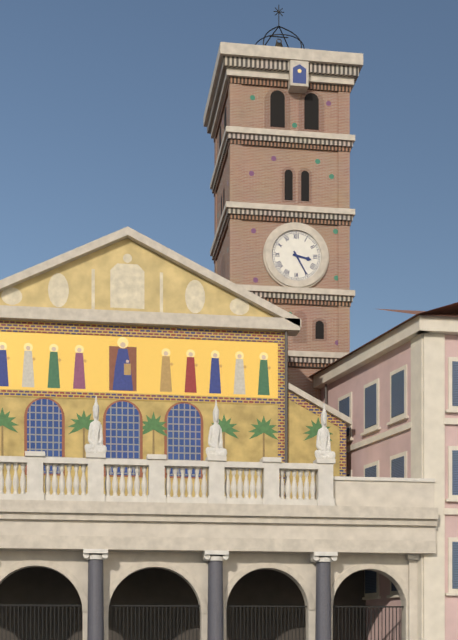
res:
h=3 m=25
